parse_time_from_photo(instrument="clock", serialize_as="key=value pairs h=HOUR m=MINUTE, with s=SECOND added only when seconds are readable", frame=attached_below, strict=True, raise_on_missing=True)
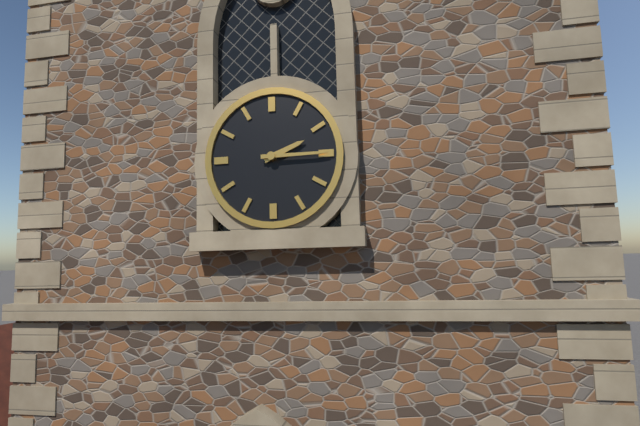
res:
h=2 m=15
